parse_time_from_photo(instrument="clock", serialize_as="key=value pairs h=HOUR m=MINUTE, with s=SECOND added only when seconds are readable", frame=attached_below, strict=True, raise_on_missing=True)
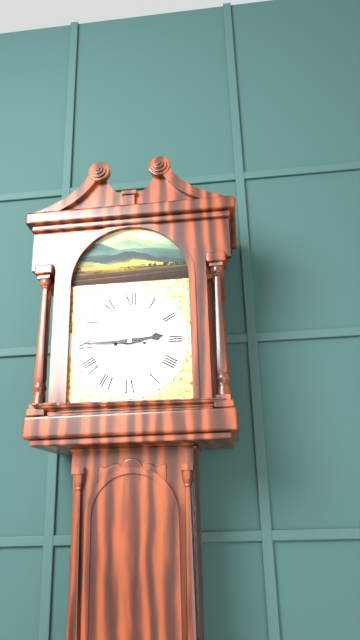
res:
h=2 m=45
